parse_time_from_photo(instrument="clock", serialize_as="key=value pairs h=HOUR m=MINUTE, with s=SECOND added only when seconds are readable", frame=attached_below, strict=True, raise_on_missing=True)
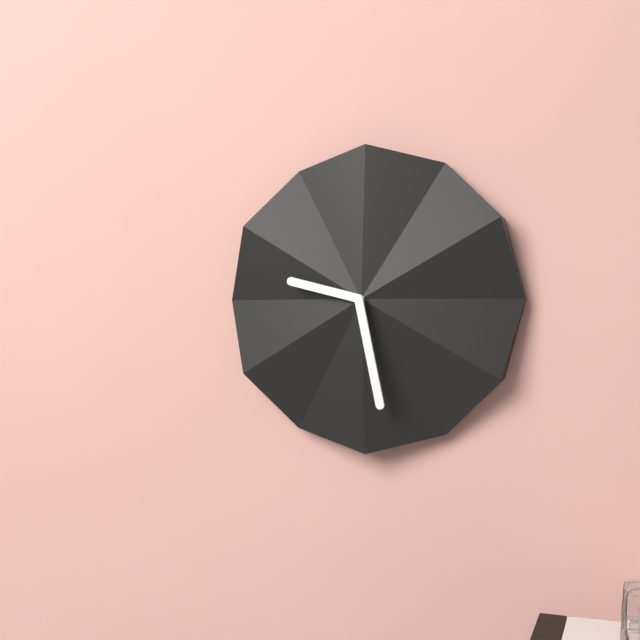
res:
h=9 m=28
